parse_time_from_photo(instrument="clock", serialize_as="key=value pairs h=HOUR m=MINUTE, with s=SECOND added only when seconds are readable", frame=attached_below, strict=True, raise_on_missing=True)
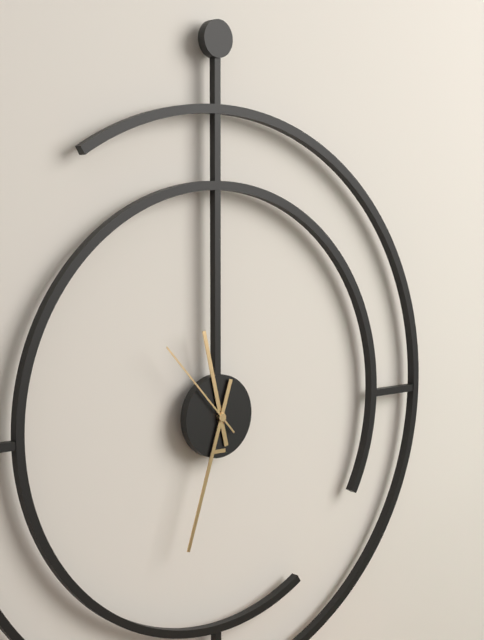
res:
h=11 m=33 s=53
